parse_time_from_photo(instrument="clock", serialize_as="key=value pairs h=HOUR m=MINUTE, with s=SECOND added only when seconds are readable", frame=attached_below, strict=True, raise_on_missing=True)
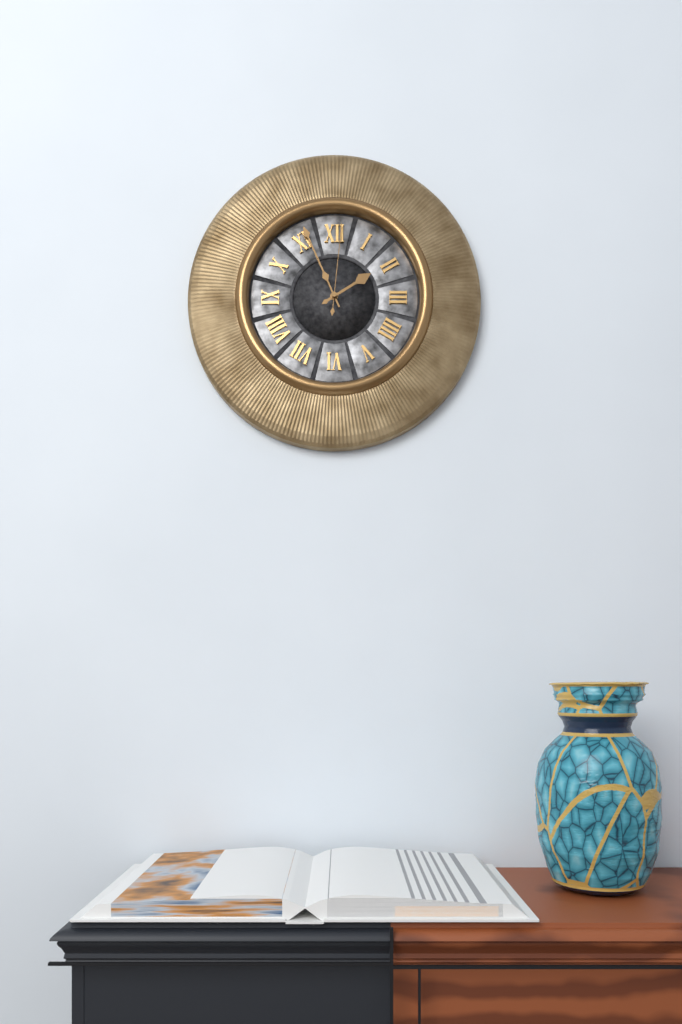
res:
h=1 m=56 s=1
